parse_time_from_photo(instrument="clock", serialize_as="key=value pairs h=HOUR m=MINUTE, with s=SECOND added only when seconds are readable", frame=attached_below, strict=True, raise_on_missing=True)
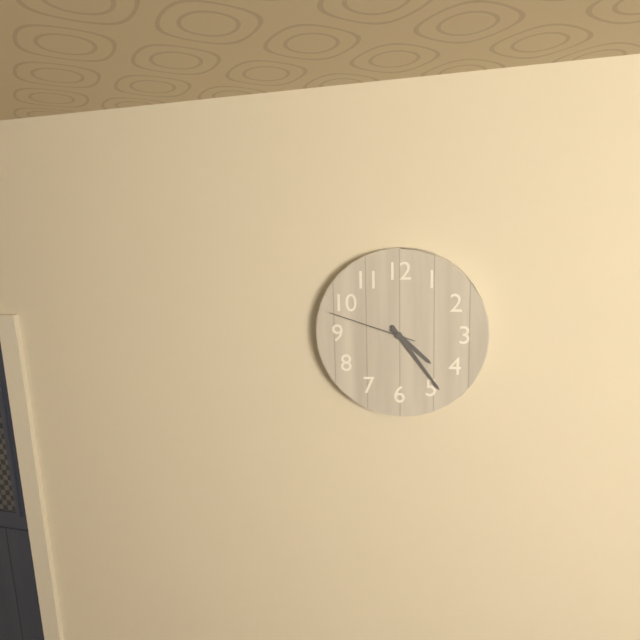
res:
h=4 m=24 s=48
